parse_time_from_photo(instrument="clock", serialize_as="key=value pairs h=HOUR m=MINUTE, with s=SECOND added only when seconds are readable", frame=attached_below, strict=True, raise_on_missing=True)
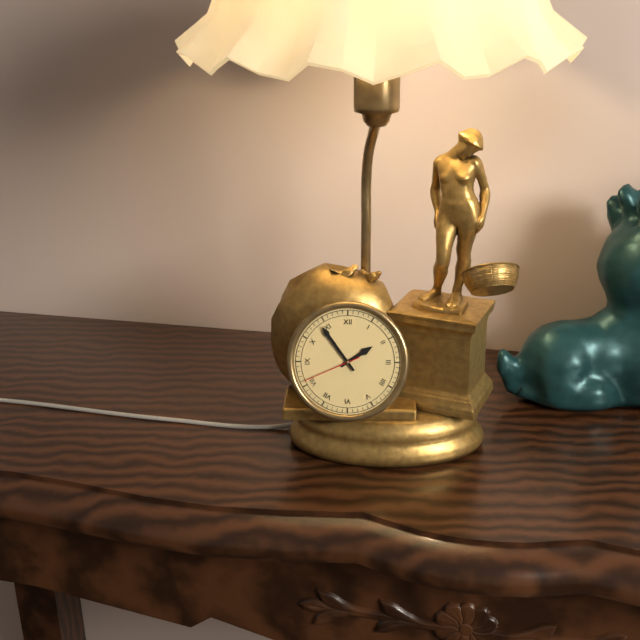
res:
h=1 m=54 s=41
